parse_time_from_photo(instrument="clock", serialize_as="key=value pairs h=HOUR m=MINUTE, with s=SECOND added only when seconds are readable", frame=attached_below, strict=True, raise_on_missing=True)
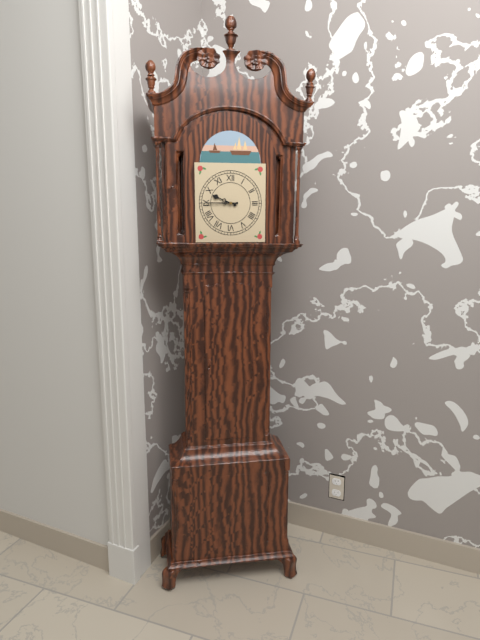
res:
h=9 m=45
